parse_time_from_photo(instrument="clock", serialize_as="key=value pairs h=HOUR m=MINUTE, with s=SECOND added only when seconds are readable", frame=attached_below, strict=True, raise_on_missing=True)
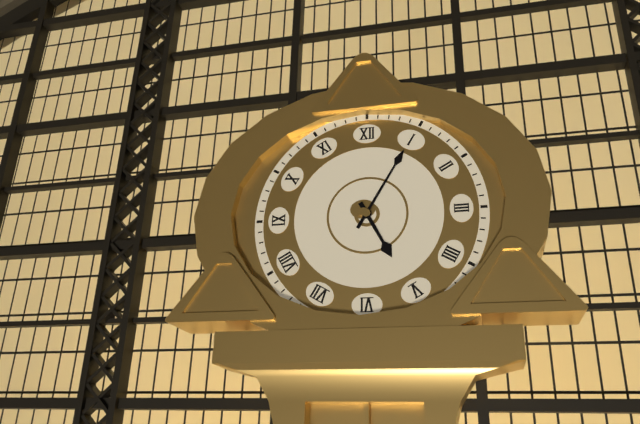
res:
h=5 m=5
